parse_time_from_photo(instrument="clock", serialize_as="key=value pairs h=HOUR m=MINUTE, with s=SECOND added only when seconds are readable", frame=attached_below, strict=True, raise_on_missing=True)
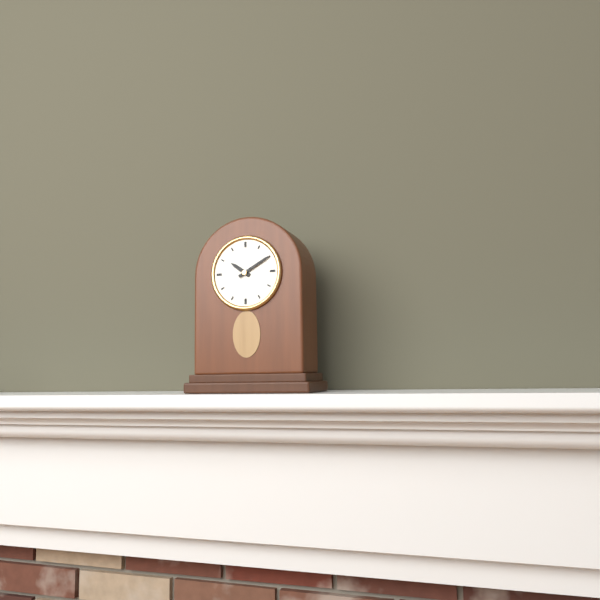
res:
h=10 m=10
